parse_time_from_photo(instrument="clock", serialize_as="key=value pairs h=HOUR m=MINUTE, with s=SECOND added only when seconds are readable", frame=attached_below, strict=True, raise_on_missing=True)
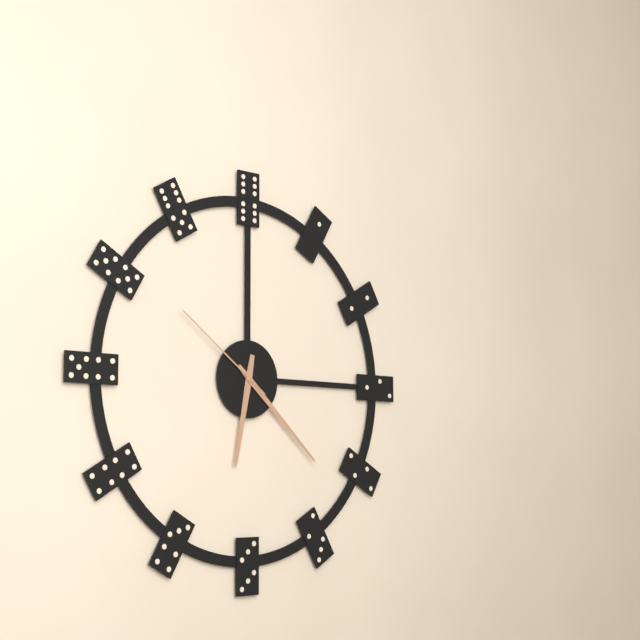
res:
h=6 m=22 s=51
